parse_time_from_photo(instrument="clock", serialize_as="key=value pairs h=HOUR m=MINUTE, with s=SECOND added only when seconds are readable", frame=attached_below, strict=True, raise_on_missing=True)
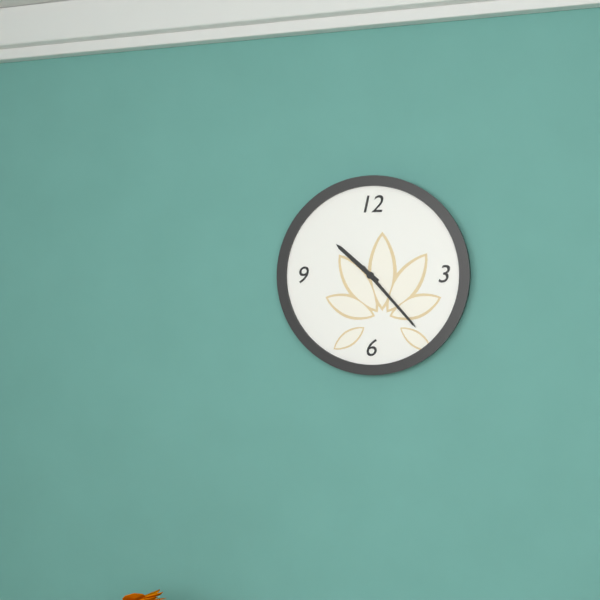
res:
h=10 m=23
